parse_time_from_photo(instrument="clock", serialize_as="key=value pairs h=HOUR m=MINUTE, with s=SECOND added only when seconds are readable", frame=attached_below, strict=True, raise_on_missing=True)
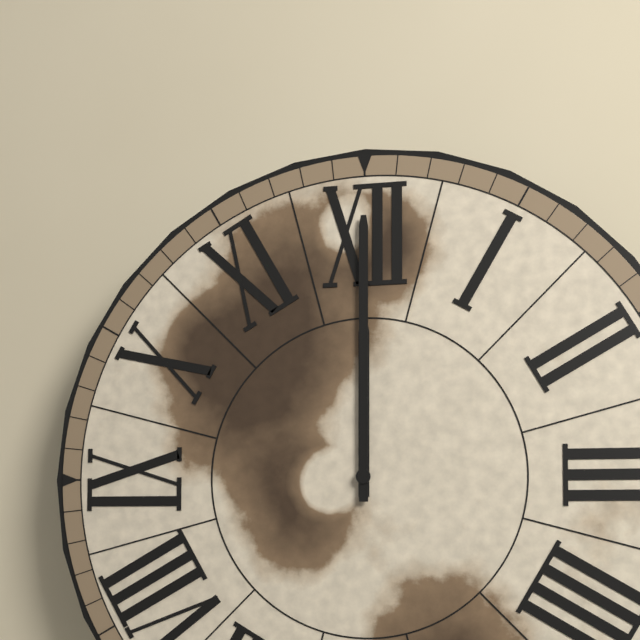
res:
h=12 m=0
